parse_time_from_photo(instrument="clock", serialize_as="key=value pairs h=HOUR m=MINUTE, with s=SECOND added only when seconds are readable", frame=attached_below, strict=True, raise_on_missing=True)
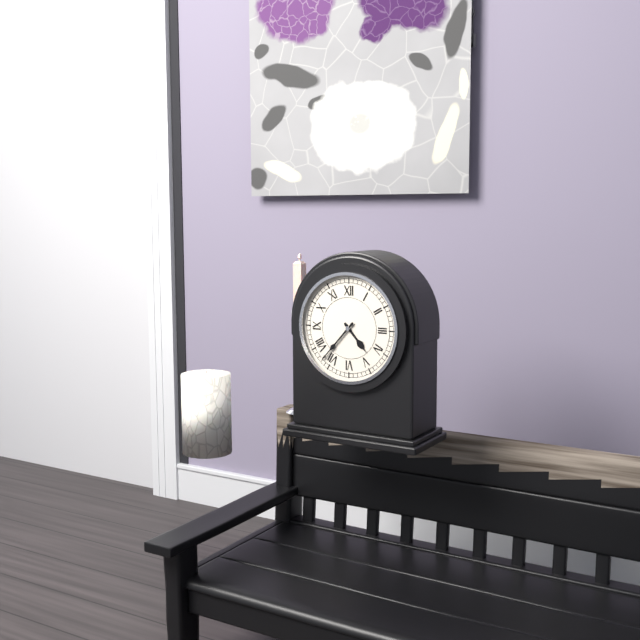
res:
h=4 m=37
